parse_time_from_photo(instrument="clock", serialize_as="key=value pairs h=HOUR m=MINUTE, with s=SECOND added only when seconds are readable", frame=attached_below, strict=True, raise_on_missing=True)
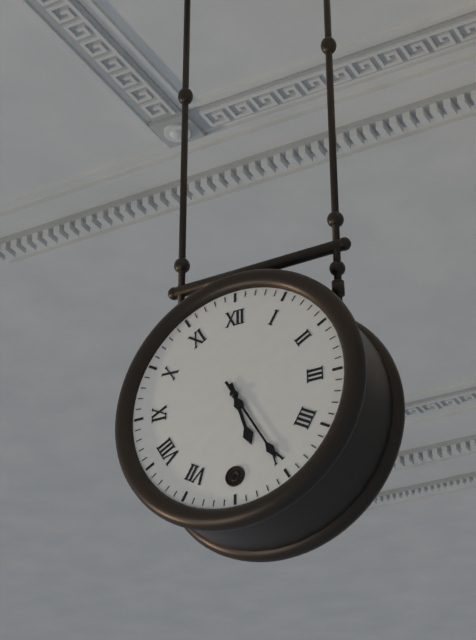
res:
h=5 m=25
